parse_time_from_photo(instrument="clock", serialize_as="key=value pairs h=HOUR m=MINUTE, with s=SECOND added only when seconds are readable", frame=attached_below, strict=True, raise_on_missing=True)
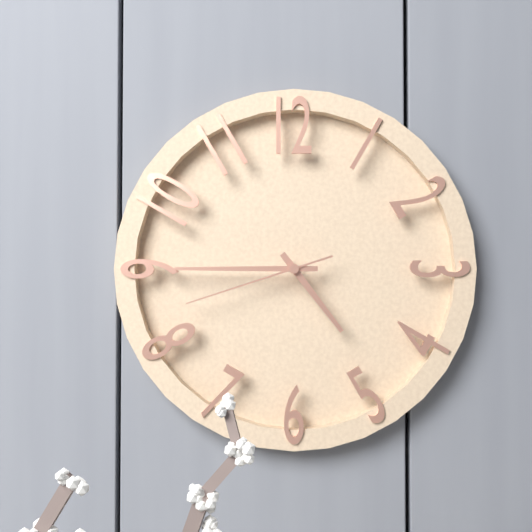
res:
h=4 m=45 s=42
